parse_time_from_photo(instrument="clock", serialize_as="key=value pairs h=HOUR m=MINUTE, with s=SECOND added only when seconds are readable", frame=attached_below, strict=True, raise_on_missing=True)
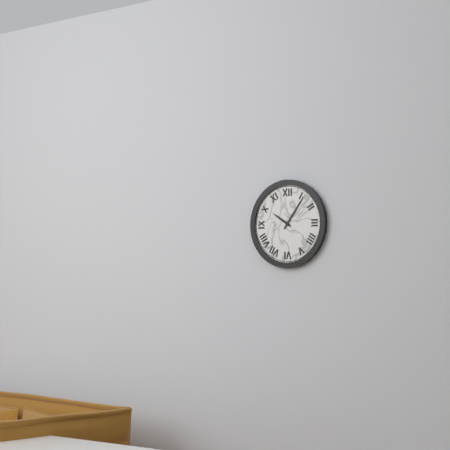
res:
h=10 m=6
